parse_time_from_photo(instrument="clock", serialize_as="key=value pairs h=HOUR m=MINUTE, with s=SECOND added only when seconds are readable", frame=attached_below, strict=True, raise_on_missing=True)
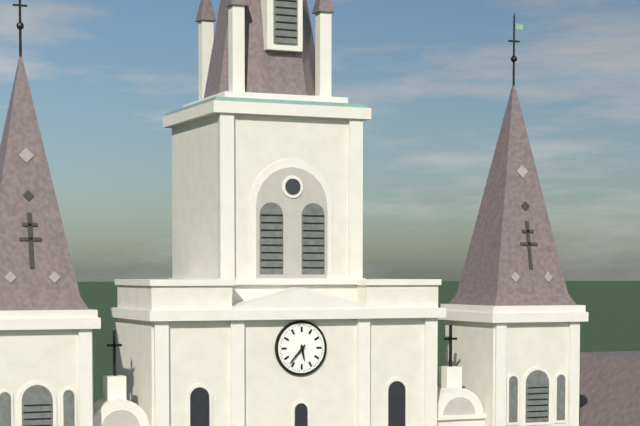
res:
h=5 m=37
